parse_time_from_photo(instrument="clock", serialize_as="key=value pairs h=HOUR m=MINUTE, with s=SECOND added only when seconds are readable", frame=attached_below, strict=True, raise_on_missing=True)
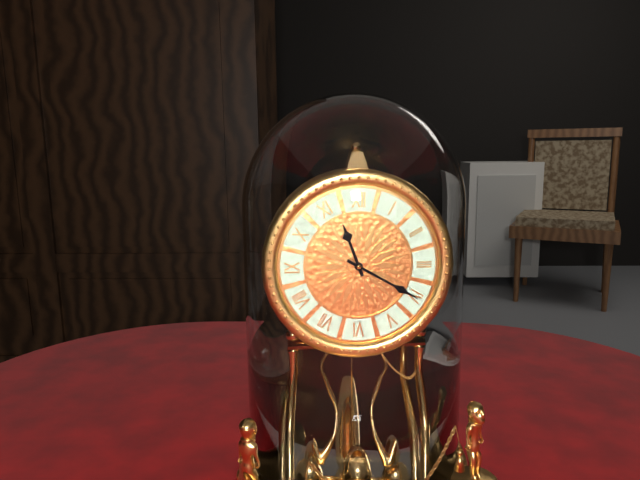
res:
h=11 m=20
